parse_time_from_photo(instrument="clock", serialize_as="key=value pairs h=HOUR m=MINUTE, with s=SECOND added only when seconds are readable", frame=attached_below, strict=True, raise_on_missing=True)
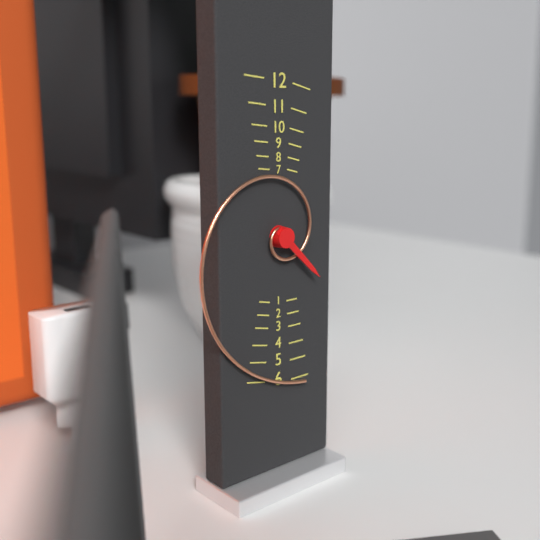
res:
h=4 m=28
